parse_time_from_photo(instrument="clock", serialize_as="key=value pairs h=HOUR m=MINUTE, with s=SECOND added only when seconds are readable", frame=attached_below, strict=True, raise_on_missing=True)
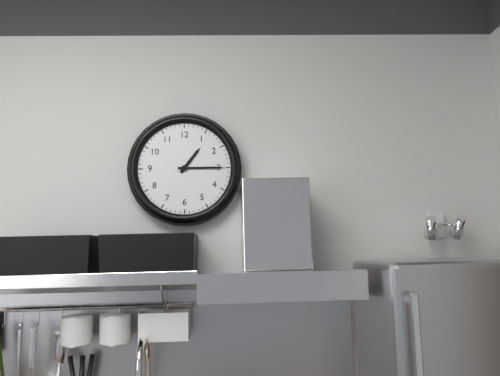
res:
h=1 m=15
